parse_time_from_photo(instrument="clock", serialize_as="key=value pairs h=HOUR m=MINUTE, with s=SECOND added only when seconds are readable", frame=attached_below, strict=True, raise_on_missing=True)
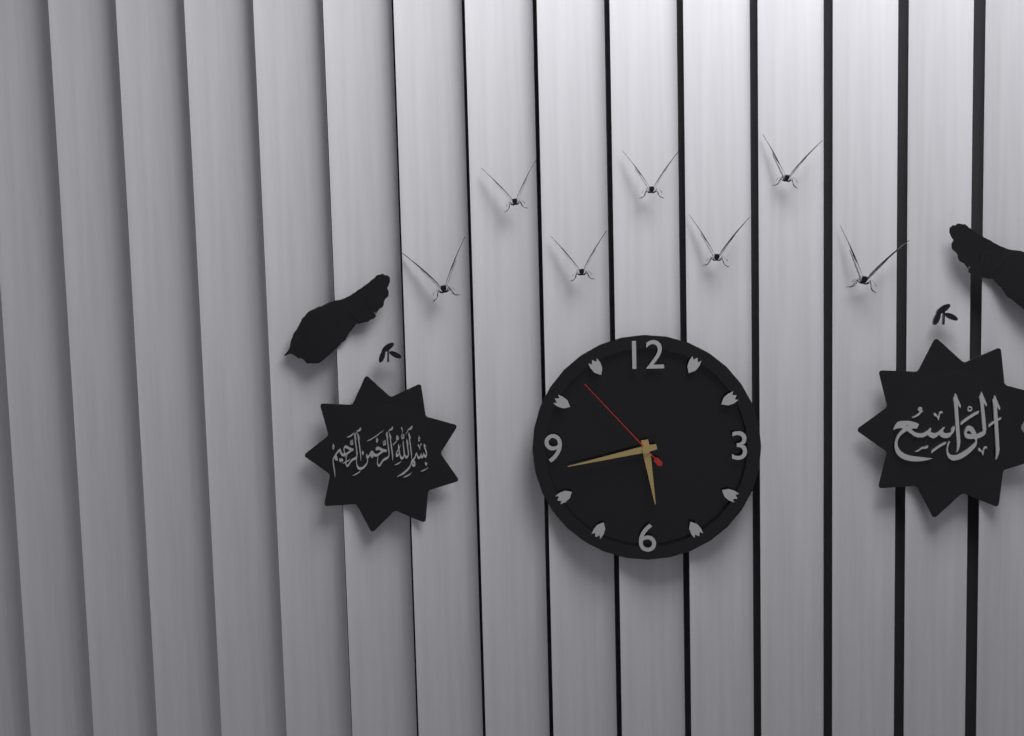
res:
h=5 m=43 s=53
